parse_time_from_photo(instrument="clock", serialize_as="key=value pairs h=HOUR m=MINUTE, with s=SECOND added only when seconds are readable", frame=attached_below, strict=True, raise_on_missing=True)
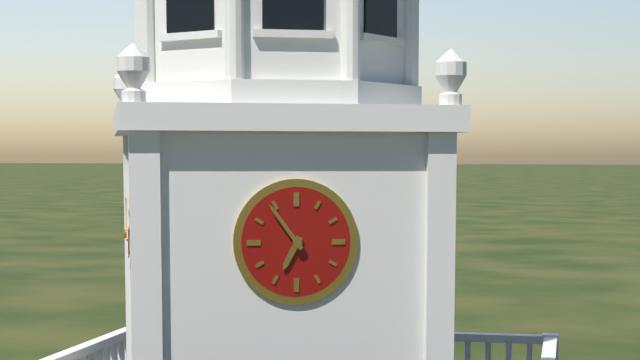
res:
h=6 m=54
